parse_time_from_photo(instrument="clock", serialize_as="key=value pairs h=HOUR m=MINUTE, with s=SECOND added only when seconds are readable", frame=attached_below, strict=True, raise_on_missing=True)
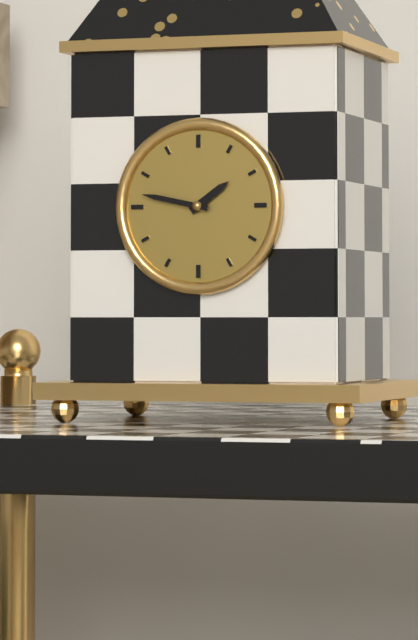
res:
h=1 m=47
